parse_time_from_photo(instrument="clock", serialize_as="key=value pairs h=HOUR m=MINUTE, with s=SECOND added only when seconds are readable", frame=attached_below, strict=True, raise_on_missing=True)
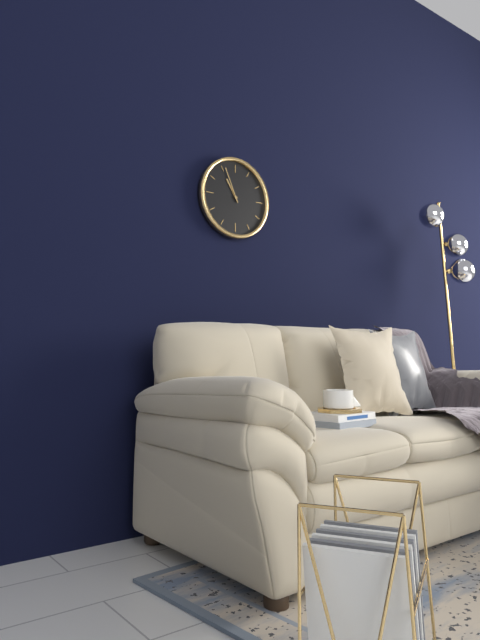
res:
h=10 m=56
